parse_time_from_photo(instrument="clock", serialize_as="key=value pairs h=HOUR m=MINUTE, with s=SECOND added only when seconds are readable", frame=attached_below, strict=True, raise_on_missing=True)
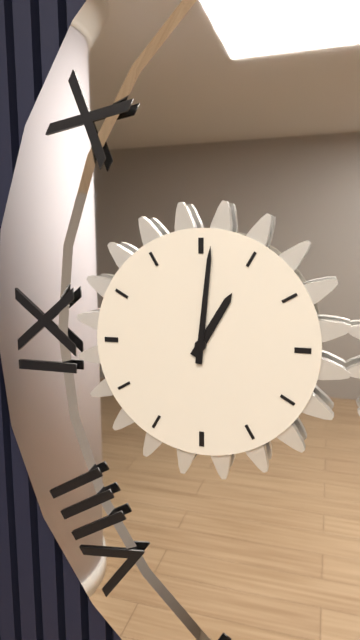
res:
h=1 m=1
